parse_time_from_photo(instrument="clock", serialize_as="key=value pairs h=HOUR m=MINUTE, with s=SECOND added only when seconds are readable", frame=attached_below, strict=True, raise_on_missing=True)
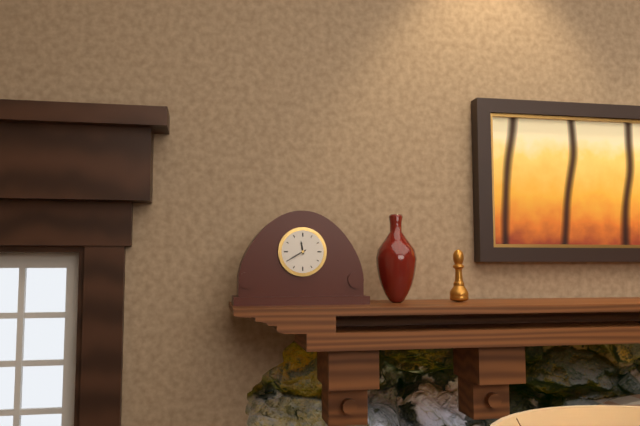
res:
h=11 m=40
